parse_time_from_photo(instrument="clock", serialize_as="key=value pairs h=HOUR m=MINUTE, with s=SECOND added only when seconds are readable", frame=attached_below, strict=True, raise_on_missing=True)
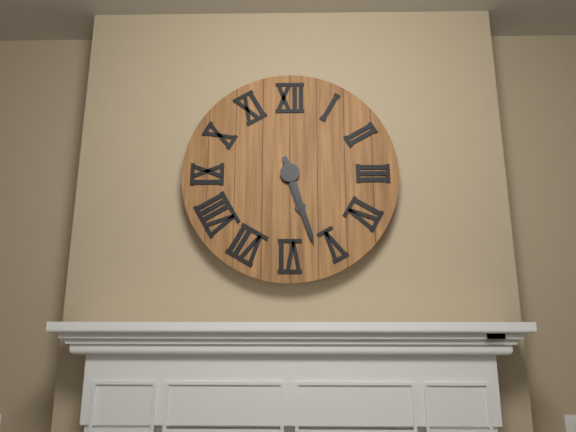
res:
h=5 m=27
